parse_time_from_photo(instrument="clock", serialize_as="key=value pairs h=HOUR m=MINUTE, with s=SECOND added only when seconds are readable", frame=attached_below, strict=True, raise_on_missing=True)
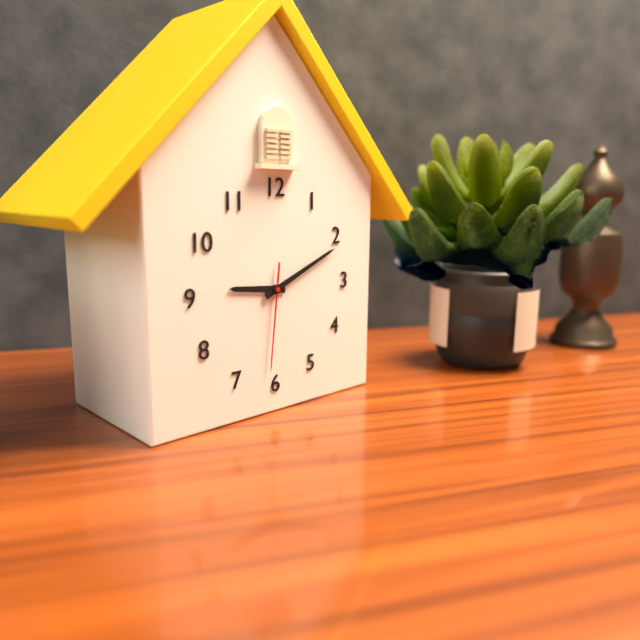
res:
h=9 m=11 s=31
